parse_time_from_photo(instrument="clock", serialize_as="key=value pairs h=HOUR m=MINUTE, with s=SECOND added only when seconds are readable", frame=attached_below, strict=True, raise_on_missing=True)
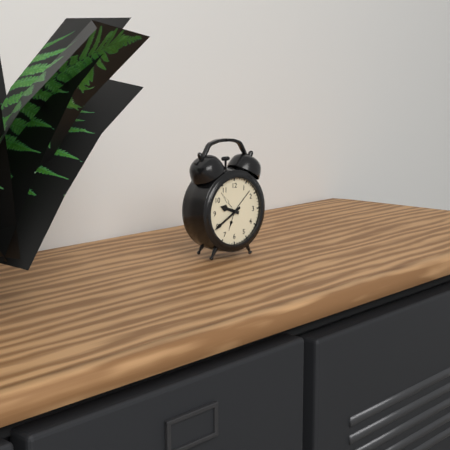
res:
h=9 m=40
